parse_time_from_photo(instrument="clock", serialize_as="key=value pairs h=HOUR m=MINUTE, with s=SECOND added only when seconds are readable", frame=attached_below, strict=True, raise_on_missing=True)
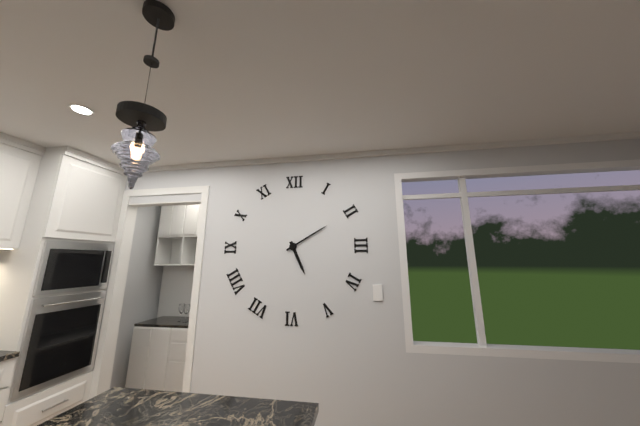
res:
h=5 m=10
